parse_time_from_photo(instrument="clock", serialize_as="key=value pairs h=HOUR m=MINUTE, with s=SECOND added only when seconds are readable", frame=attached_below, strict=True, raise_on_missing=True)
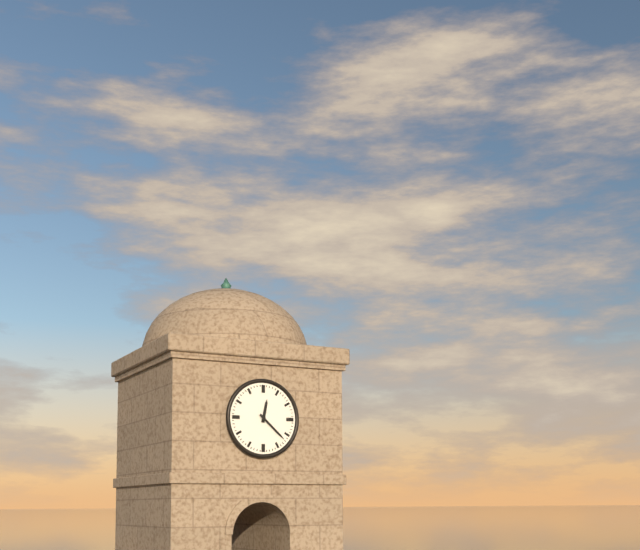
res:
h=12 m=22
